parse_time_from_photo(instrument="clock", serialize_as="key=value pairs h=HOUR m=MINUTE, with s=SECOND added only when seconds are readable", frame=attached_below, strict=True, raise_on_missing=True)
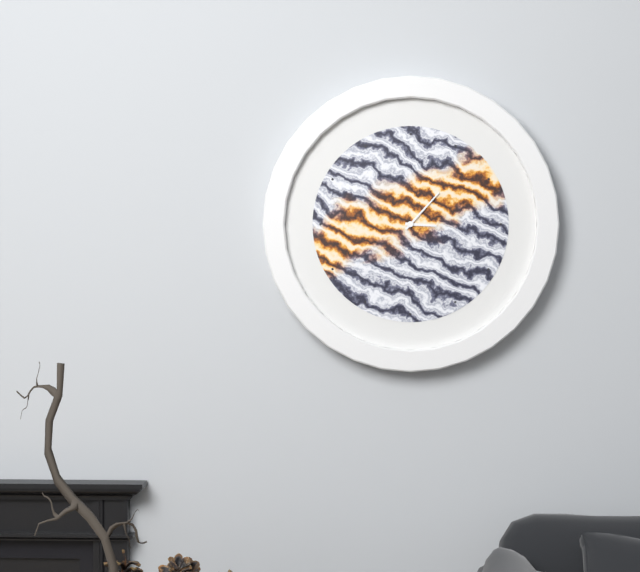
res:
h=3 m=7
